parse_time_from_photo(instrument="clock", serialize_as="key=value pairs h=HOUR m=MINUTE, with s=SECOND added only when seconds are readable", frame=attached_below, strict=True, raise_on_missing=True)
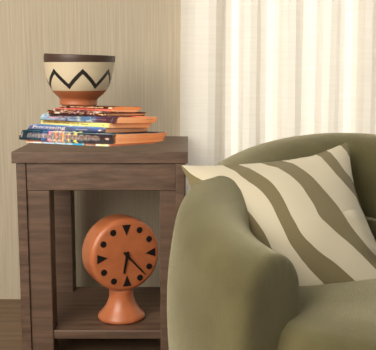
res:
h=6 m=23
